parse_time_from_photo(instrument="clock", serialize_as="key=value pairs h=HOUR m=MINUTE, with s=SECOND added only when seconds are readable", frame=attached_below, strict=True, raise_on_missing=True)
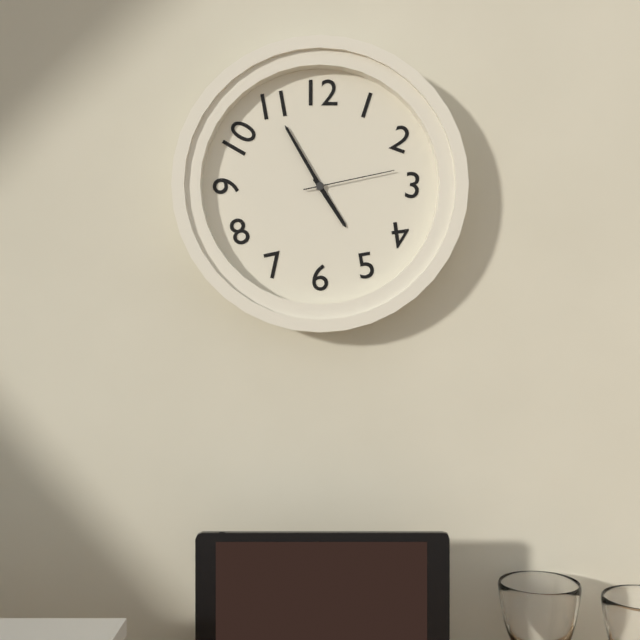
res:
h=4 m=55 s=13
